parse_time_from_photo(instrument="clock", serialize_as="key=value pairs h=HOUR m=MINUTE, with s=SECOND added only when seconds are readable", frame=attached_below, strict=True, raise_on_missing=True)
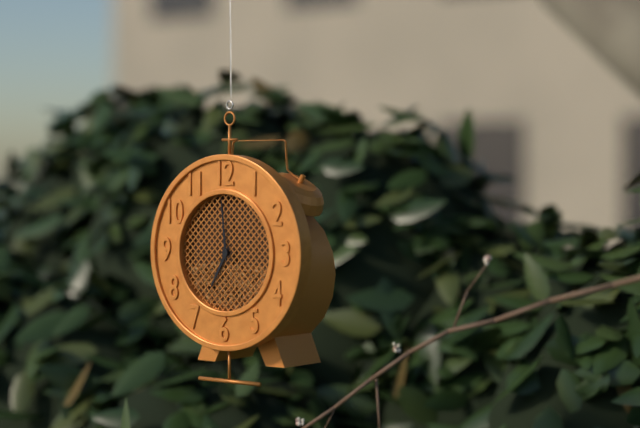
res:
h=6 m=59
